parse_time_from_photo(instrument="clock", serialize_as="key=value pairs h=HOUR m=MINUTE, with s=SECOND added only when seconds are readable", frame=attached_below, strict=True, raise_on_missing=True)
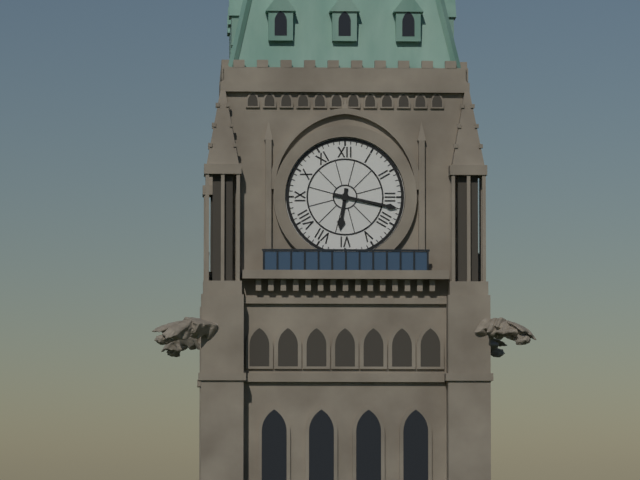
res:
h=6 m=17
